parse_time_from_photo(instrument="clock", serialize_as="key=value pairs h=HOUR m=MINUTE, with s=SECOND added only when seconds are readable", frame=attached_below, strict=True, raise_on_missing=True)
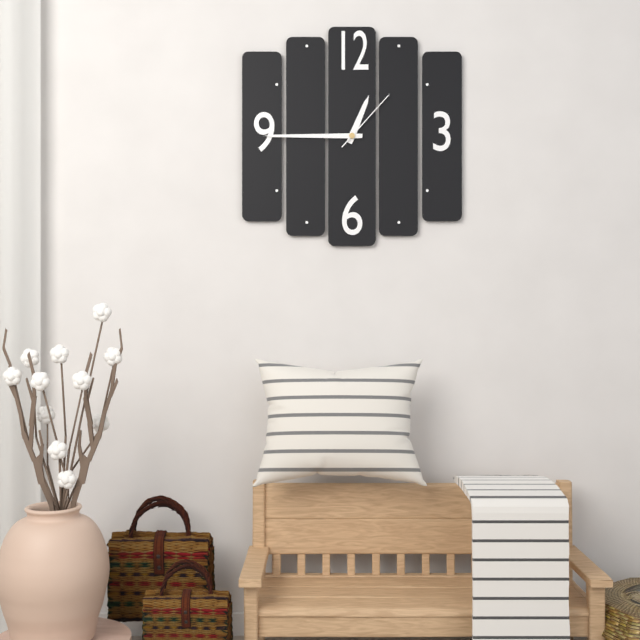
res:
h=12 m=45 s=7
